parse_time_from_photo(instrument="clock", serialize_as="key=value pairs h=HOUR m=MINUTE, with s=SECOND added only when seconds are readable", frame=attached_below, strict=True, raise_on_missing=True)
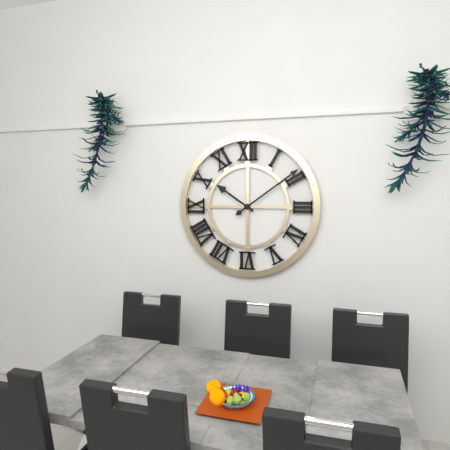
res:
h=10 m=9
